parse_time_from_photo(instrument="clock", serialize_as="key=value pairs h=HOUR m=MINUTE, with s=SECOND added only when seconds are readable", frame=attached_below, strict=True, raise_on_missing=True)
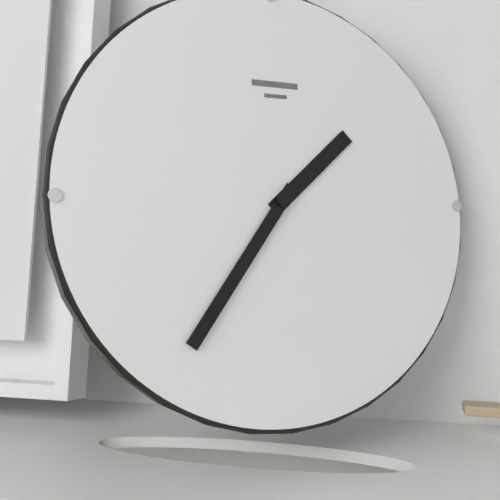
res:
h=1 m=36
